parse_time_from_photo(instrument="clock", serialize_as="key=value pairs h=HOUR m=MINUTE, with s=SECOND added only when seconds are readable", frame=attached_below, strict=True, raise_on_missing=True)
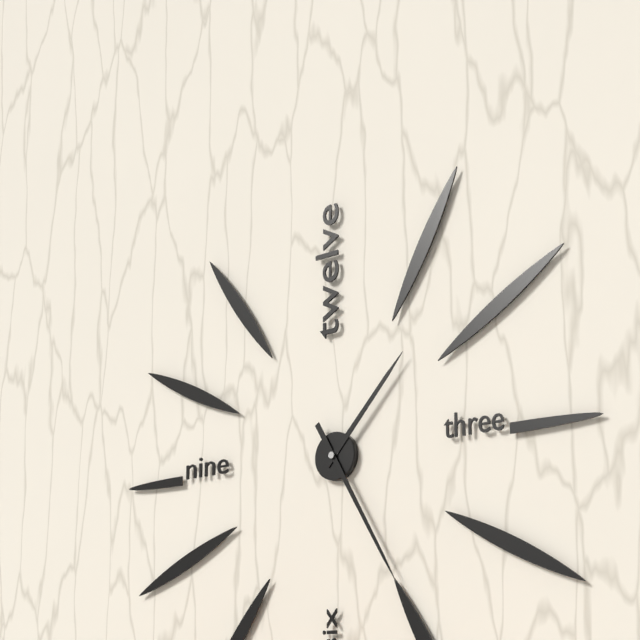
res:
h=1 m=25
